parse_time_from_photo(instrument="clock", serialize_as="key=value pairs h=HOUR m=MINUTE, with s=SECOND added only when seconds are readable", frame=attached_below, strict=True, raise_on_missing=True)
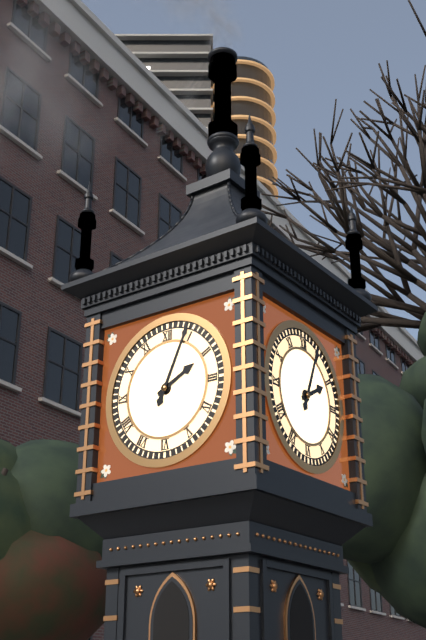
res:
h=2 m=4
